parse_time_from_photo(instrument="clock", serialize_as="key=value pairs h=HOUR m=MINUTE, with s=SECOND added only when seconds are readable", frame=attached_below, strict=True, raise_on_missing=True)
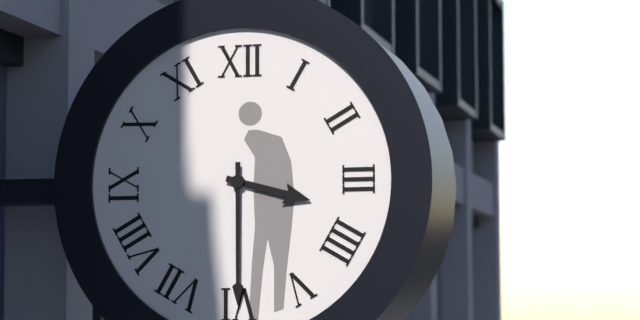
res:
h=3 m=30
